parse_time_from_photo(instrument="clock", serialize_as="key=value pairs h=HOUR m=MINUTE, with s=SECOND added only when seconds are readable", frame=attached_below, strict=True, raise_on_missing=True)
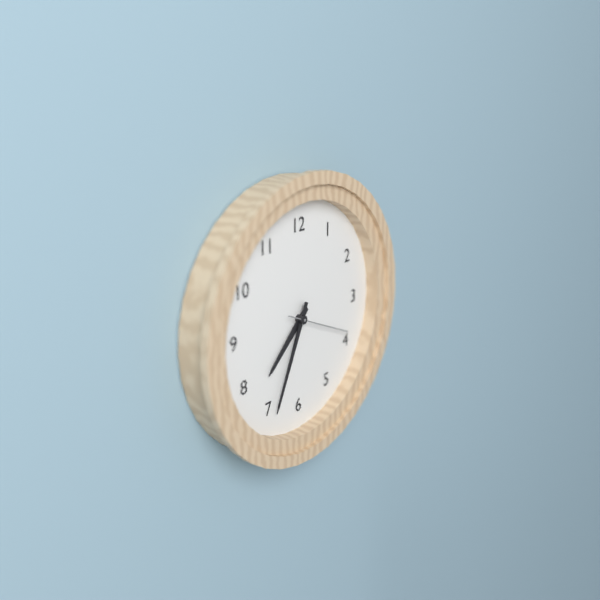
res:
h=7 m=34 s=19
